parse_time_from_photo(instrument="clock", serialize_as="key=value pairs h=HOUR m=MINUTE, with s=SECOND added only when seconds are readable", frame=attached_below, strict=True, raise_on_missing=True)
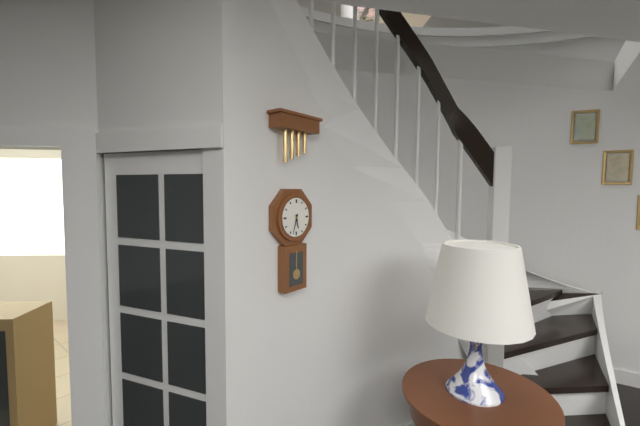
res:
h=5 m=33
